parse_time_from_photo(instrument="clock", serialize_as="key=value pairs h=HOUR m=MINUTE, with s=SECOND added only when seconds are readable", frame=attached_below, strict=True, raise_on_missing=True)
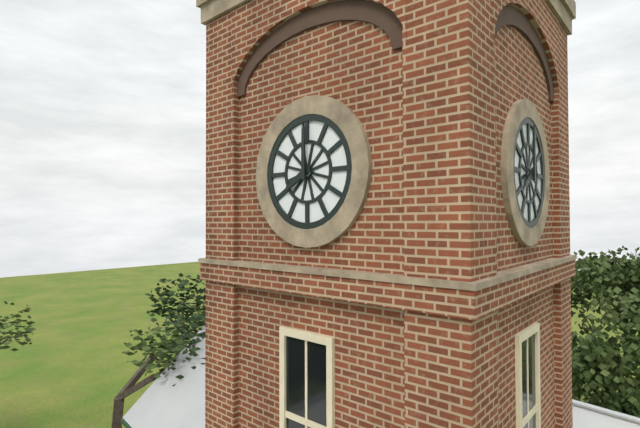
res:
h=8 m=0
